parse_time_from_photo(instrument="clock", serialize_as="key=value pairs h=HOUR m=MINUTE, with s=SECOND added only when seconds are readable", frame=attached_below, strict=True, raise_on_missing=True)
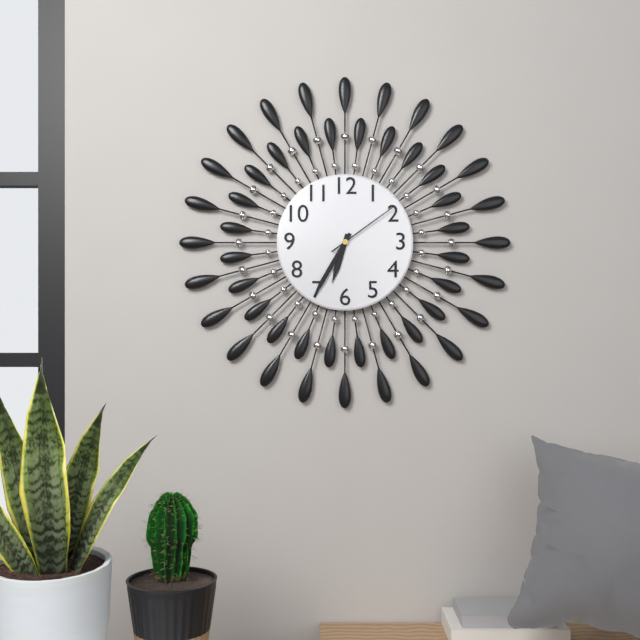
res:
h=6 m=35 s=9
